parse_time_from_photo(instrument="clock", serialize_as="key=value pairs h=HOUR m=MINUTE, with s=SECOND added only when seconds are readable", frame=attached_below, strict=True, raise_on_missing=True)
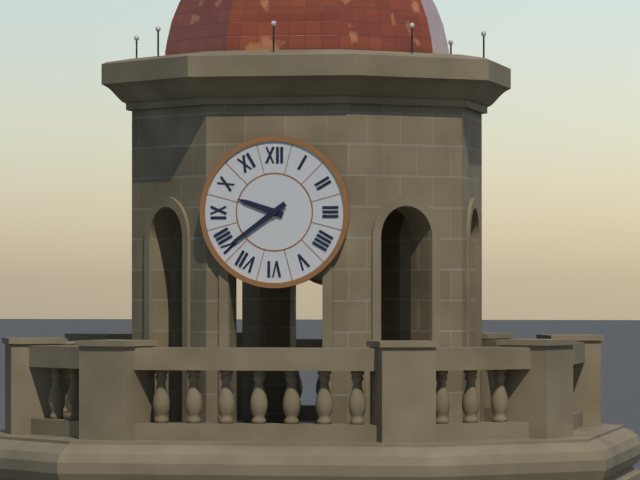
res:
h=9 m=39
